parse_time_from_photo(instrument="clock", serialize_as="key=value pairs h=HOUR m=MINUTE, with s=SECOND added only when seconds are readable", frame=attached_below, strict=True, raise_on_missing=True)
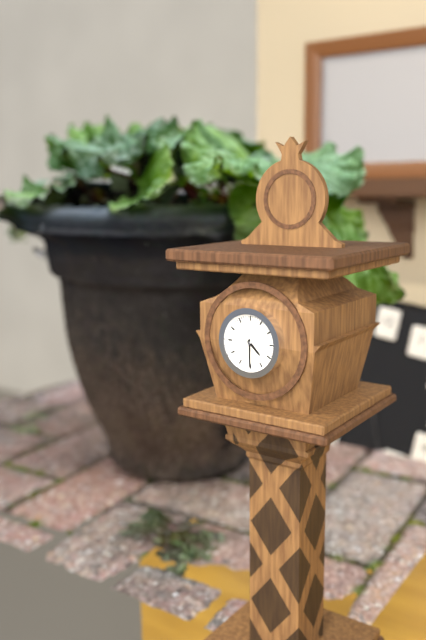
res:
h=4 m=30
